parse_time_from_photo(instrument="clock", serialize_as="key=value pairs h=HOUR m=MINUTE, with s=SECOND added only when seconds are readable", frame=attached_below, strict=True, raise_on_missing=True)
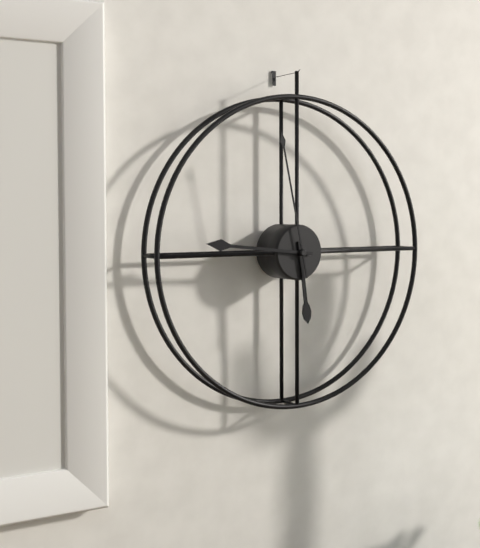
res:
h=5 m=46 s=58
